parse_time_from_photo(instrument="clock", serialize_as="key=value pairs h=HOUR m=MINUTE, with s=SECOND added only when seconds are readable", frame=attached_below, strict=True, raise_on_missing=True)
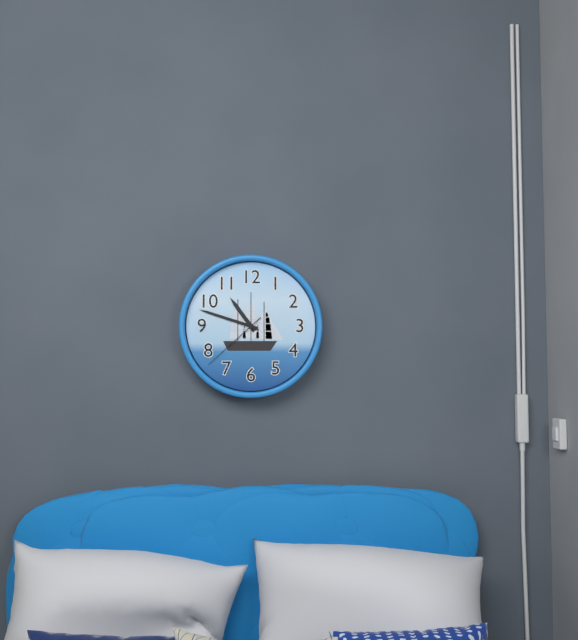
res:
h=10 m=48 s=38
